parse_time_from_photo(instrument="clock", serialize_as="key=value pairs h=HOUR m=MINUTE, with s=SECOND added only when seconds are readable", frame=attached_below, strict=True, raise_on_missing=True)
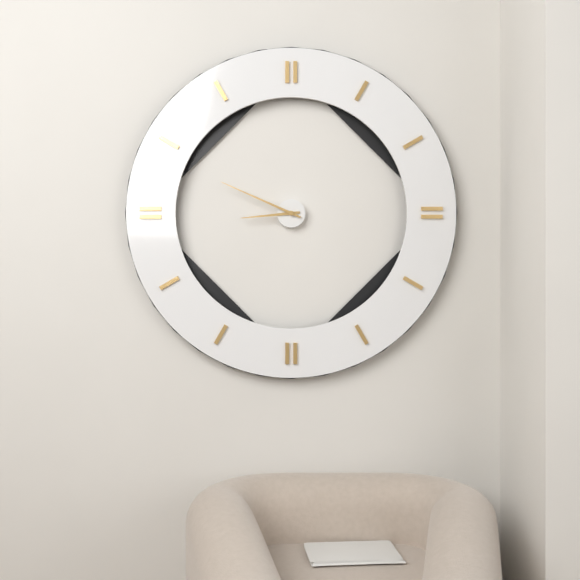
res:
h=8 m=49
